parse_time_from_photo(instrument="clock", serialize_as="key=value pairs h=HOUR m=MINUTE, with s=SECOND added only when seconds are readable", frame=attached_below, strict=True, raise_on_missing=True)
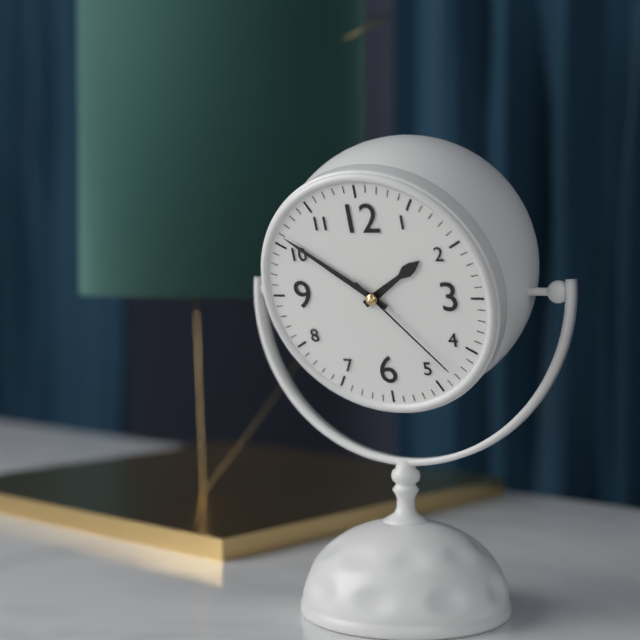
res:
h=1 m=51 s=23
